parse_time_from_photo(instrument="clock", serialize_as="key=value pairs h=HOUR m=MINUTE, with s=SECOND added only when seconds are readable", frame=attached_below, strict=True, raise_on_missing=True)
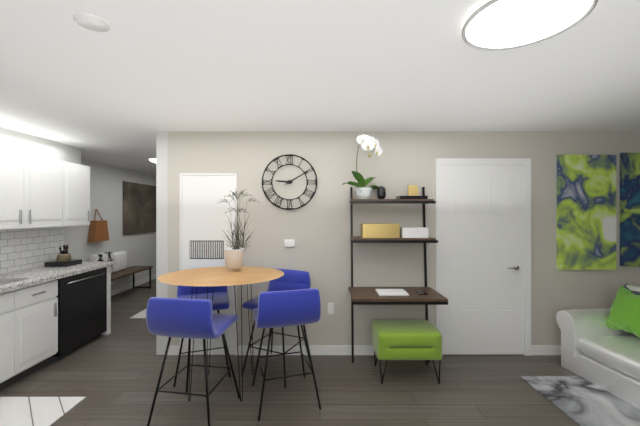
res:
h=9 m=10
